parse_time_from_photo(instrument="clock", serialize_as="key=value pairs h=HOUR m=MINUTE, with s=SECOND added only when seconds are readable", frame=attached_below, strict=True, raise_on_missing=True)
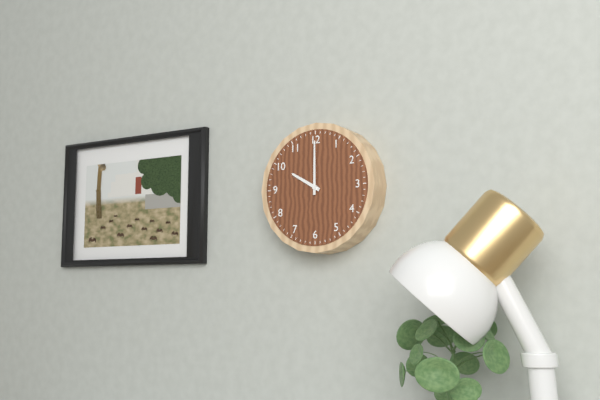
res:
h=10 m=0
